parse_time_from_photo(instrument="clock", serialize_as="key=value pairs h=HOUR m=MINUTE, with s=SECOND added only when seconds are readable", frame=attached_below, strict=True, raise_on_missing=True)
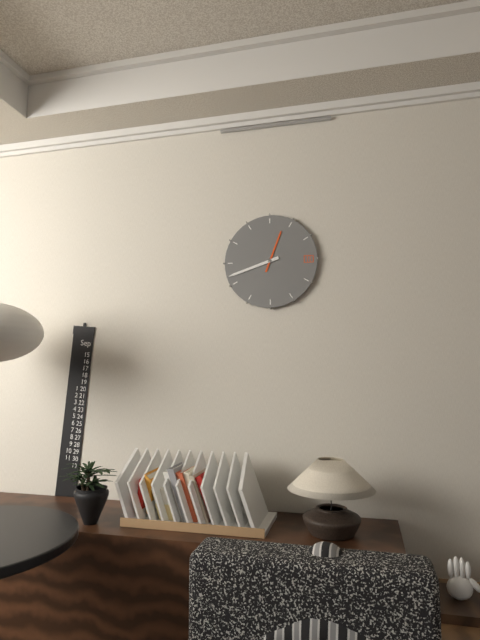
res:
h=12 m=42
